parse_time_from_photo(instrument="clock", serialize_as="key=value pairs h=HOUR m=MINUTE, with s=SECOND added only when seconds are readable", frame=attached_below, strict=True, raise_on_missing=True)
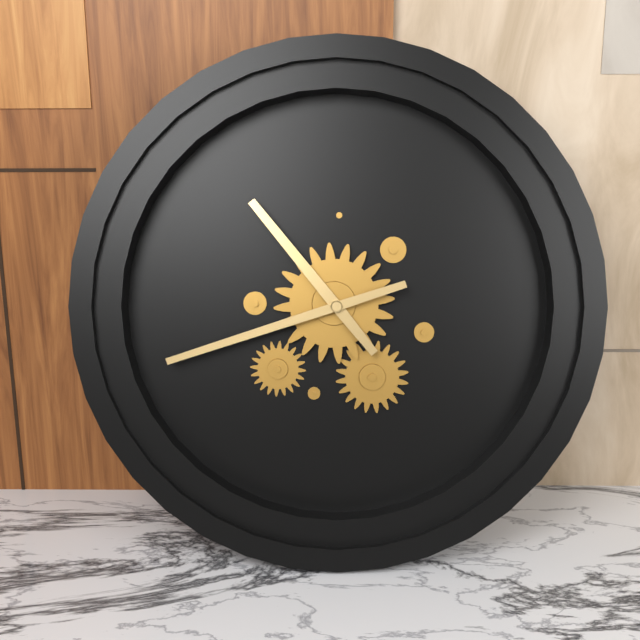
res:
h=10 m=42
